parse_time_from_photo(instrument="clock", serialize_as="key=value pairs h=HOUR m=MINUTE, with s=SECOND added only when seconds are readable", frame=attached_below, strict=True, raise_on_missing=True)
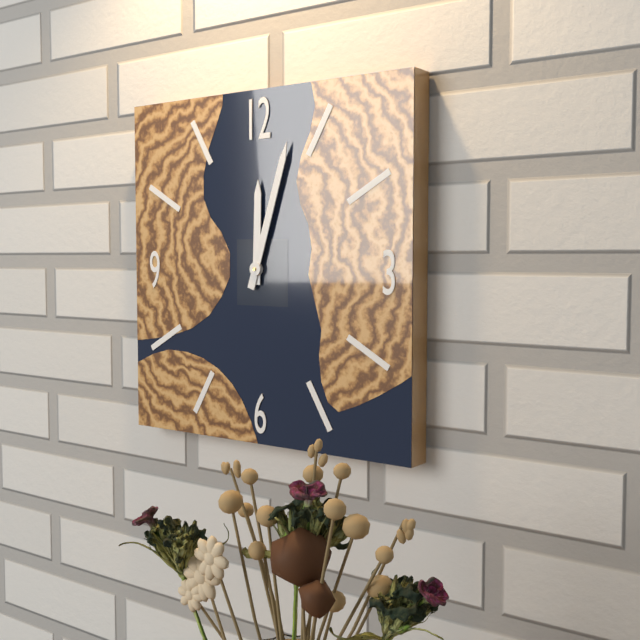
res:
h=12 m=3
